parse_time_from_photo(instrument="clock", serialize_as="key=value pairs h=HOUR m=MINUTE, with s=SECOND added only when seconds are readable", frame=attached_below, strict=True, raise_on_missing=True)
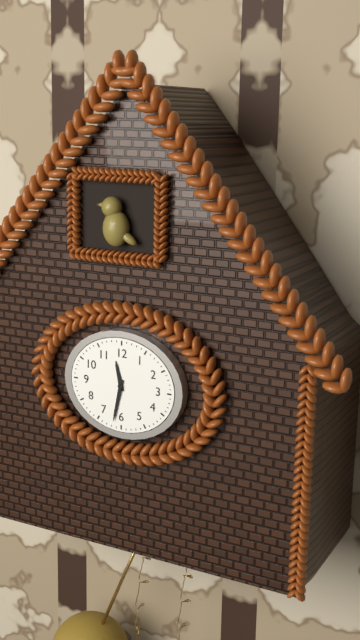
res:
h=11 m=32
